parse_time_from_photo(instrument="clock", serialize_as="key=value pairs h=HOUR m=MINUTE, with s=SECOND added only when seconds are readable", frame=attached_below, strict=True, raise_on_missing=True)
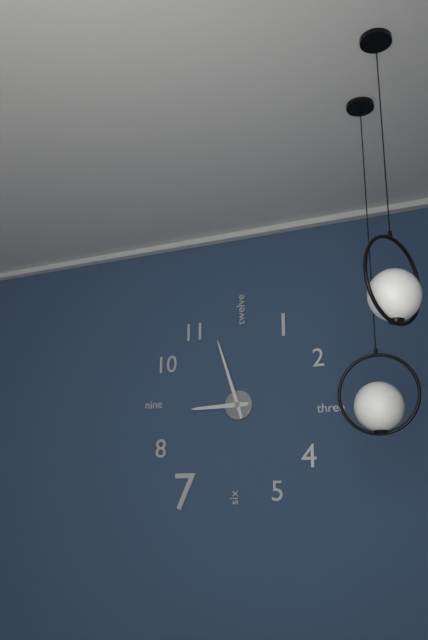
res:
h=8 m=57
